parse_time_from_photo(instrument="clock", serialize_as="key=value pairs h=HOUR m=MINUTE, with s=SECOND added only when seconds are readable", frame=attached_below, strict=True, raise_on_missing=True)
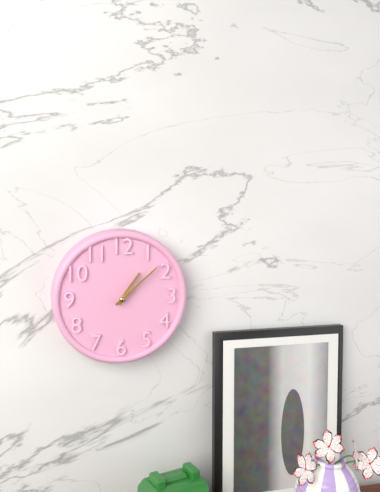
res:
h=1 m=8
